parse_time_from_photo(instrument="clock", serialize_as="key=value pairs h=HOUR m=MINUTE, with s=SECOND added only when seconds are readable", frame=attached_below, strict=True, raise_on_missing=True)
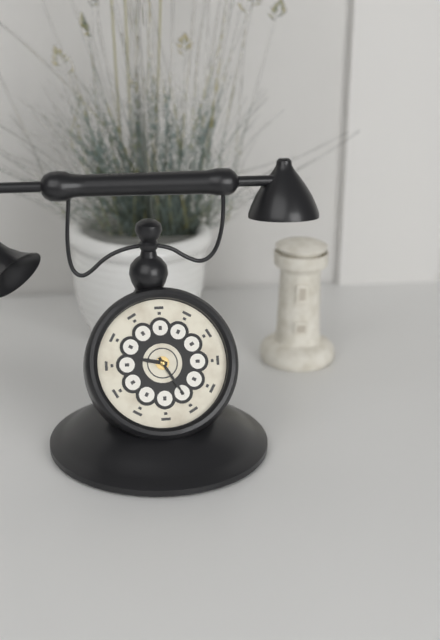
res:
h=9 m=25
